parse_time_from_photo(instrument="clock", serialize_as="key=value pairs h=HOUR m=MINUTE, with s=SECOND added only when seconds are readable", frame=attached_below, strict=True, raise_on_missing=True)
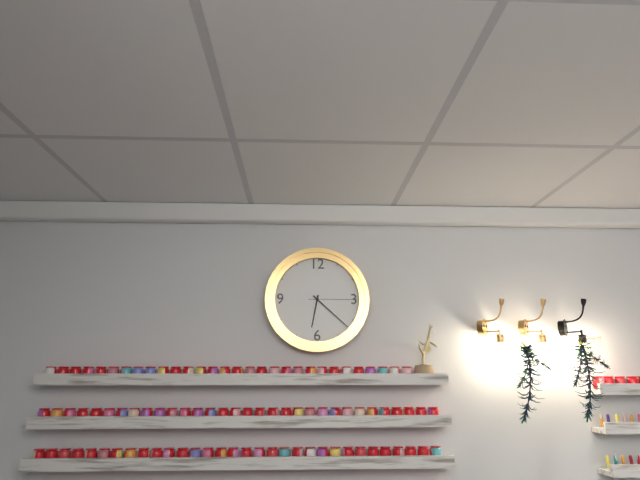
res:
h=6 m=22
